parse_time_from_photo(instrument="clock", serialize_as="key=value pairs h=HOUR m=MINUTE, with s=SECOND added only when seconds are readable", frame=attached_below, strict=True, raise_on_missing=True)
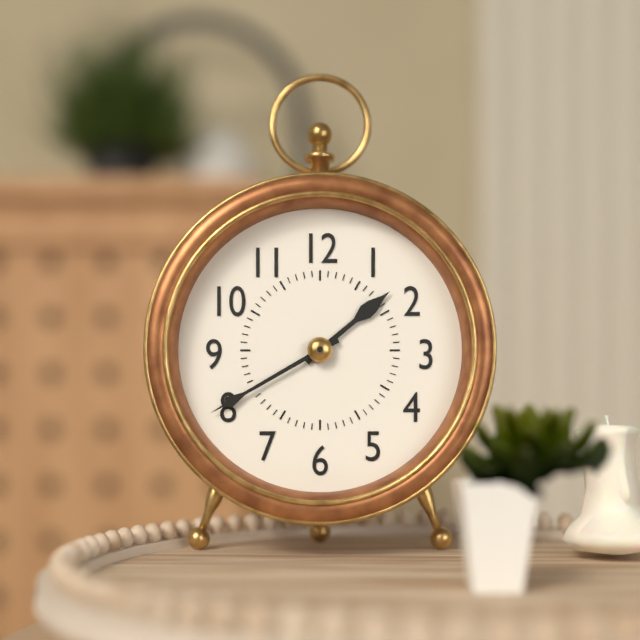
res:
h=1 m=40
